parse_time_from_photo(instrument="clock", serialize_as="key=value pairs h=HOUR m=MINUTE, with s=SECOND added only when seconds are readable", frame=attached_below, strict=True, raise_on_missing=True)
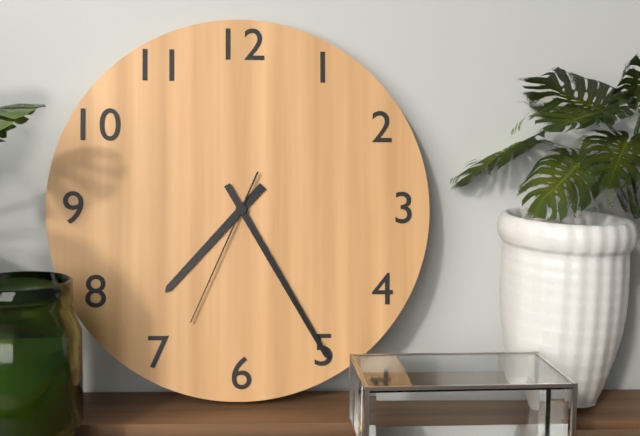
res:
h=7 m=25 s=34
